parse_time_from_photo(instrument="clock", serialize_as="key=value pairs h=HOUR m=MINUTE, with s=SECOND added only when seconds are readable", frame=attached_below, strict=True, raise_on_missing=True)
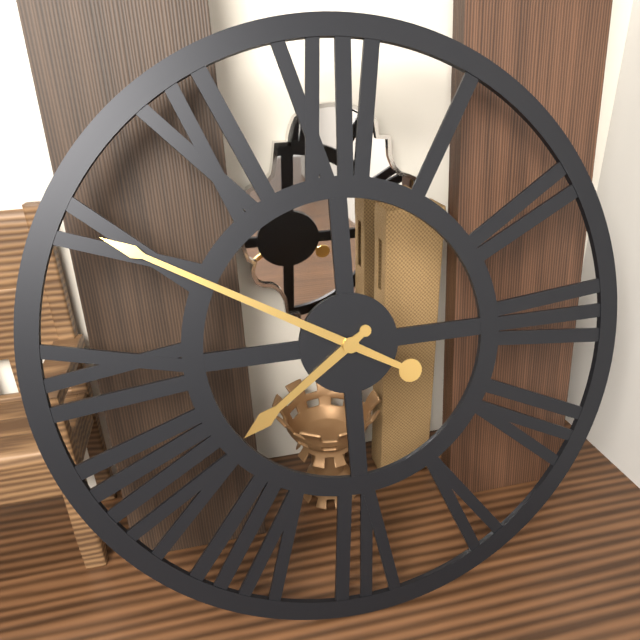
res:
h=7 m=50
